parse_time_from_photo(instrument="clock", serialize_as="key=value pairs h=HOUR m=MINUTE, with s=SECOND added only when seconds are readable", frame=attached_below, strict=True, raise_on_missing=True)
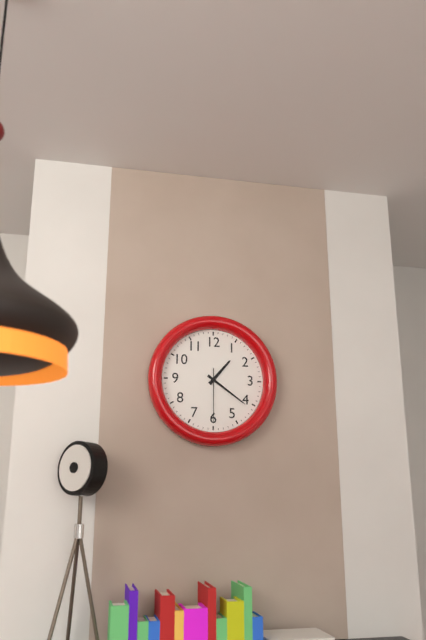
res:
h=1 m=21 s=30
